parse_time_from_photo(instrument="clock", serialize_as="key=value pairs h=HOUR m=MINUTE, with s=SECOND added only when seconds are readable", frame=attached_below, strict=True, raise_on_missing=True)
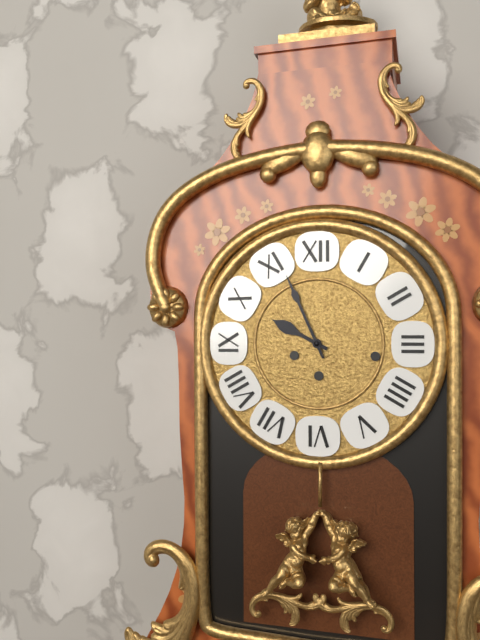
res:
h=9 m=56
